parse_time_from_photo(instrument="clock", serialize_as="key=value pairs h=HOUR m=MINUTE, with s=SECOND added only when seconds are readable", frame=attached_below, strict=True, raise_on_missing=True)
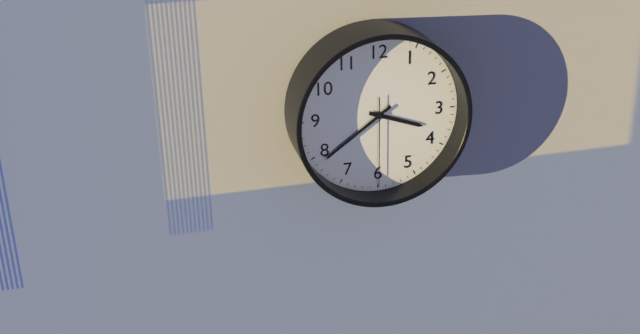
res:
h=3 m=39 s=30
